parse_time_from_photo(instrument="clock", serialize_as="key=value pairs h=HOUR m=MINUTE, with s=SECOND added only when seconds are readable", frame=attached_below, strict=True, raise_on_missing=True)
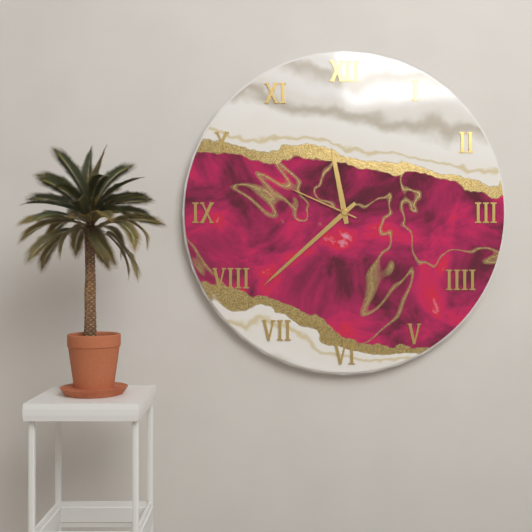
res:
h=11 m=38 s=49
